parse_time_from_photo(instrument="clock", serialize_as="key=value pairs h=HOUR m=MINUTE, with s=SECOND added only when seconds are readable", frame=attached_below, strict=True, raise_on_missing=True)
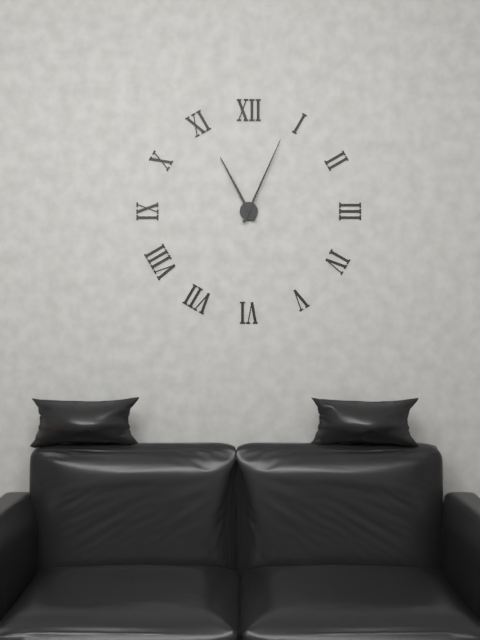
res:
h=11 m=4
